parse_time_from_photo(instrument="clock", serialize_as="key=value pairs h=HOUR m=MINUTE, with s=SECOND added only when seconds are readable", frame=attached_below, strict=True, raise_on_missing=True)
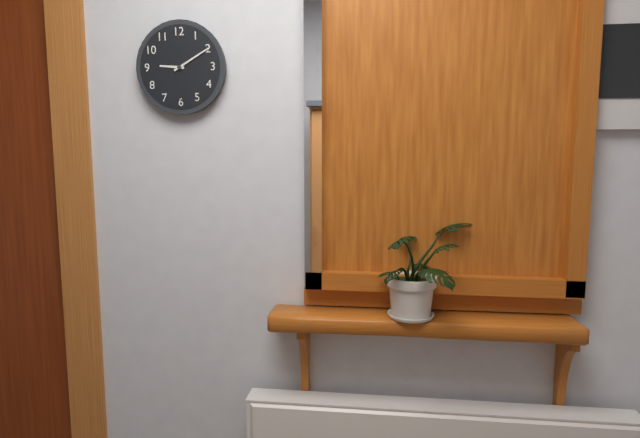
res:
h=9 m=10
